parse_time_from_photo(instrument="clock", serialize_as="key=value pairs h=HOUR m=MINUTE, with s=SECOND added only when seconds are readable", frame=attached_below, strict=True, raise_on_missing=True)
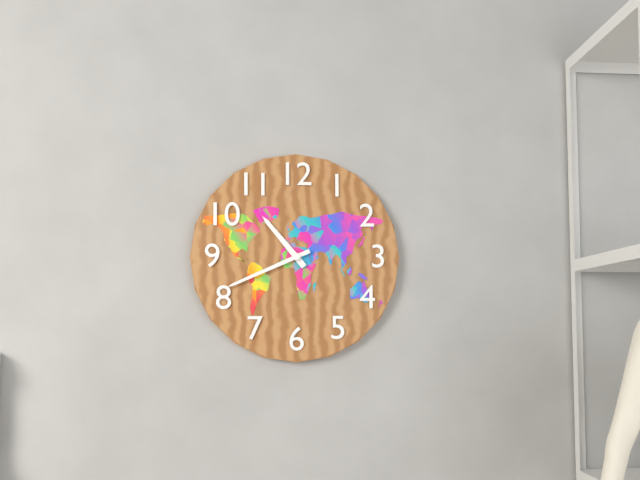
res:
h=10 m=41
